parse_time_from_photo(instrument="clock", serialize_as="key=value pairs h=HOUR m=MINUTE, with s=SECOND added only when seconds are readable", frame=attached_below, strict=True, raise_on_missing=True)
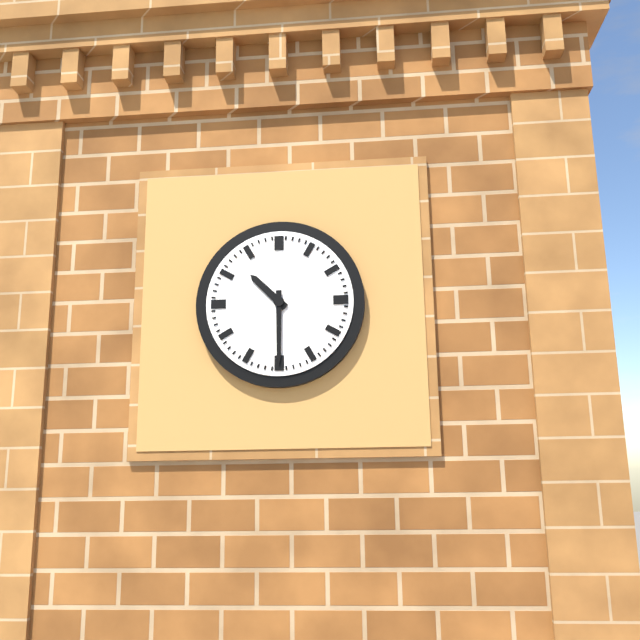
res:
h=10 m=30
